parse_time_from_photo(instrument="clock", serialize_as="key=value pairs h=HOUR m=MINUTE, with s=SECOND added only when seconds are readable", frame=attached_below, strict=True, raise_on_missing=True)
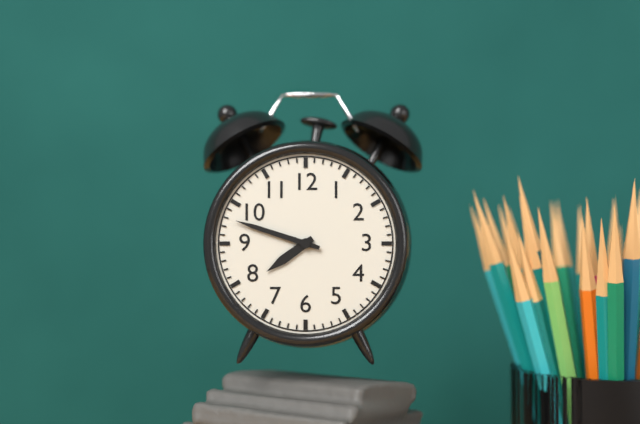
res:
h=7 m=48
